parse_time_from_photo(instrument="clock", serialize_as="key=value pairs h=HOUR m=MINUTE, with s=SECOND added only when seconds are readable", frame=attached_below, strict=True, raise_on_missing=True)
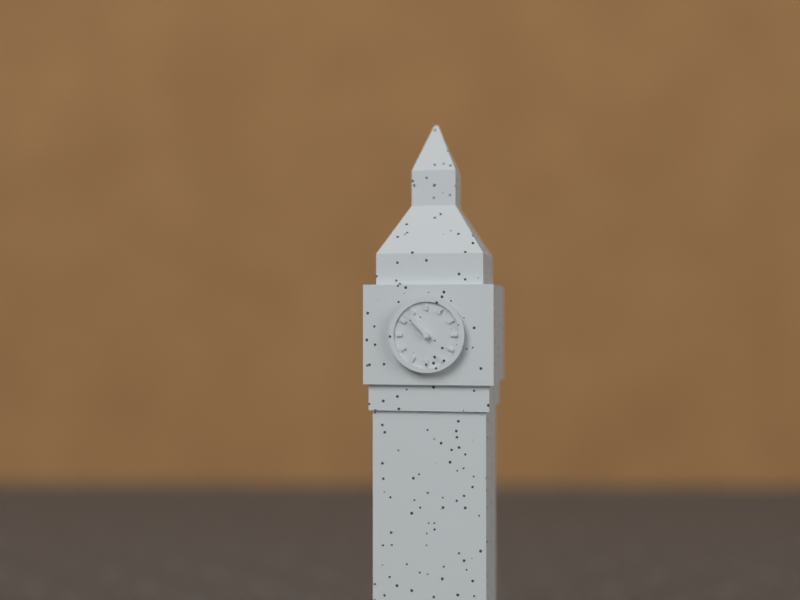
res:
h=10 m=53
